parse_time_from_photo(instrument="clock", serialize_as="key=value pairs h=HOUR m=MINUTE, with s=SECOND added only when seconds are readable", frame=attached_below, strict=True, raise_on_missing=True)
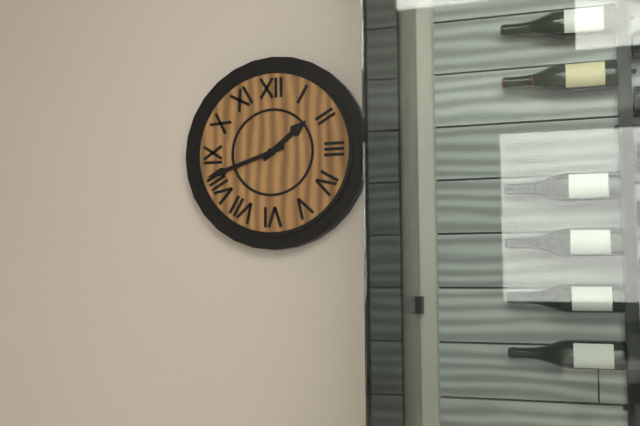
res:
h=1 m=42
